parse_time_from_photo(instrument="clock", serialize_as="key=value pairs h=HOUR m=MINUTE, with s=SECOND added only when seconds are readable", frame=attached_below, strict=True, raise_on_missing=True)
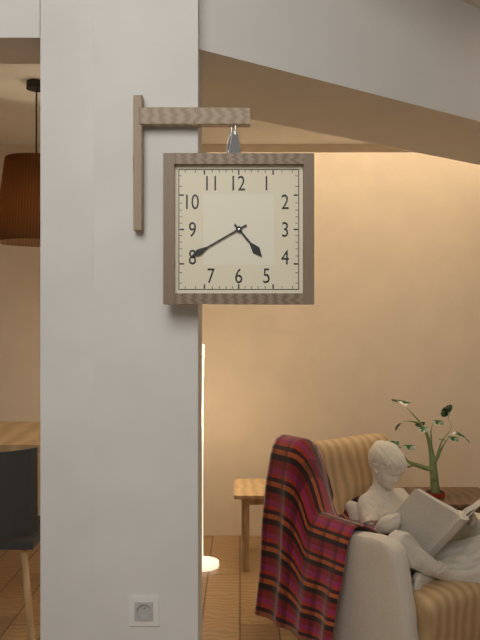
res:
h=4 m=40
